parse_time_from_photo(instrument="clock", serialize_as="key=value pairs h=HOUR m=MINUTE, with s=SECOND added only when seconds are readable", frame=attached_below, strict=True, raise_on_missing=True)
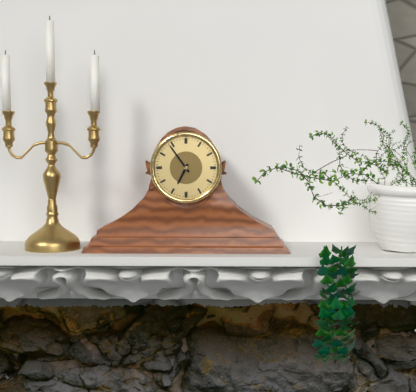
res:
h=6 m=54
